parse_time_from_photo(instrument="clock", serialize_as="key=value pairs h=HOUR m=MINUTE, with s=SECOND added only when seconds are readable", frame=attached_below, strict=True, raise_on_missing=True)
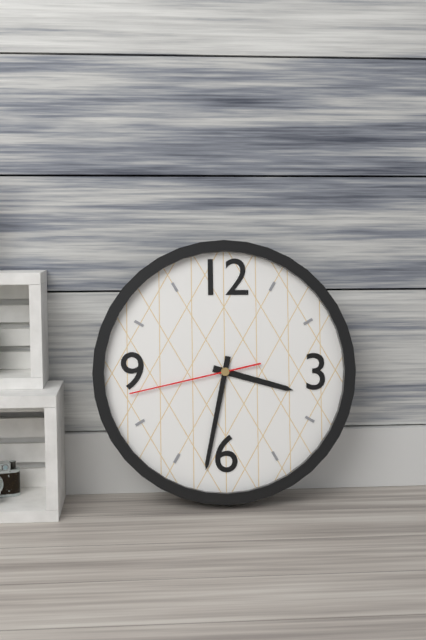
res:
h=3 m=32 s=43
